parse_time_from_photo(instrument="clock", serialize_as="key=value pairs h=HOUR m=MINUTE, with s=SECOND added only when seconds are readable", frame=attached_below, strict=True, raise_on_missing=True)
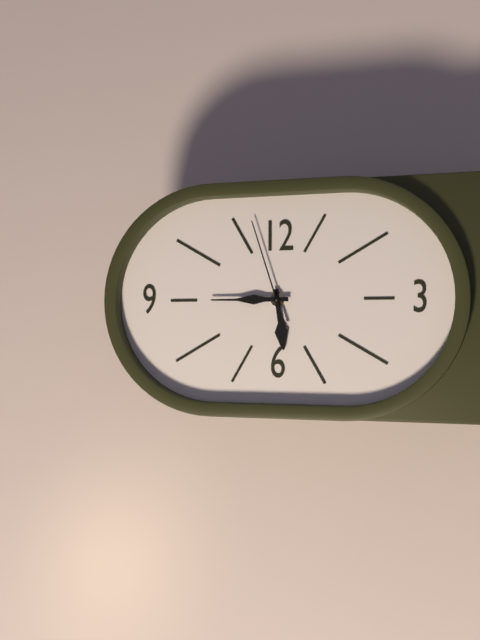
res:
h=5 m=45 s=57
